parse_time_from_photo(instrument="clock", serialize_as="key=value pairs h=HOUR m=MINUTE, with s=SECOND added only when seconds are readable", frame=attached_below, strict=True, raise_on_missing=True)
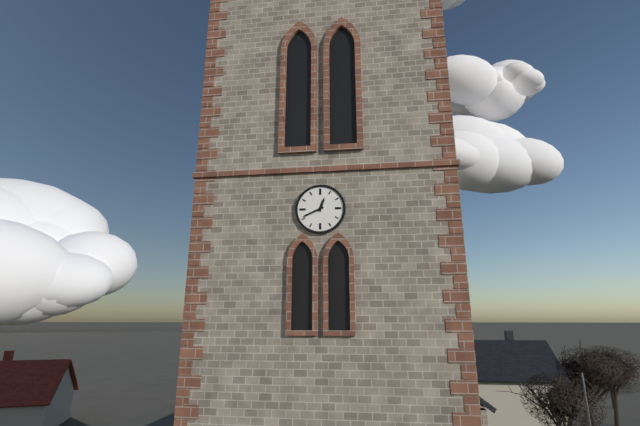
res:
h=12 m=41
